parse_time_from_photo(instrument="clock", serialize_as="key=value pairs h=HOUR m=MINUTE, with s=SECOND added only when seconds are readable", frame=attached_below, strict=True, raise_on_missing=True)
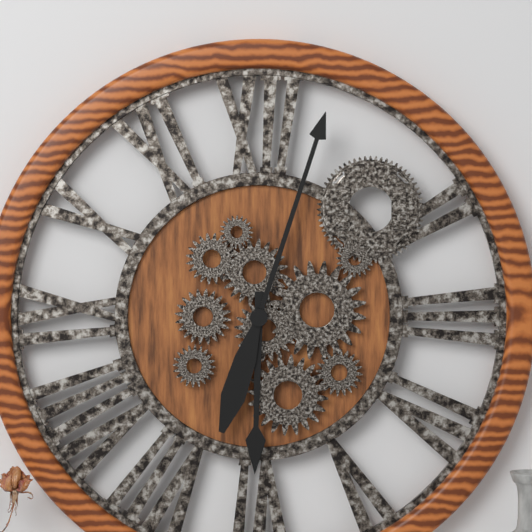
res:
h=6 m=3
